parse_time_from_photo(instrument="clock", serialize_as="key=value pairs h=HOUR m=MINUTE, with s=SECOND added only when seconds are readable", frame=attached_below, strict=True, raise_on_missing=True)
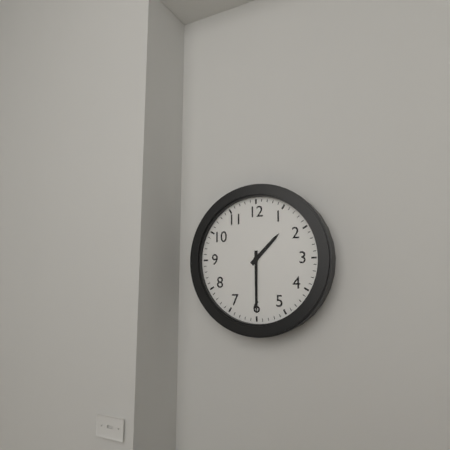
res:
h=1 m=30
